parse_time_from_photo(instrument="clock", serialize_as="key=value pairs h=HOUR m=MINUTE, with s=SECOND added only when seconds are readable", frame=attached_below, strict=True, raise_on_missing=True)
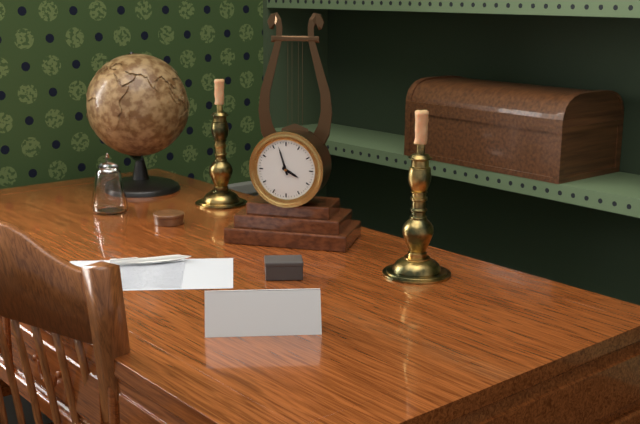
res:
h=3 m=57
